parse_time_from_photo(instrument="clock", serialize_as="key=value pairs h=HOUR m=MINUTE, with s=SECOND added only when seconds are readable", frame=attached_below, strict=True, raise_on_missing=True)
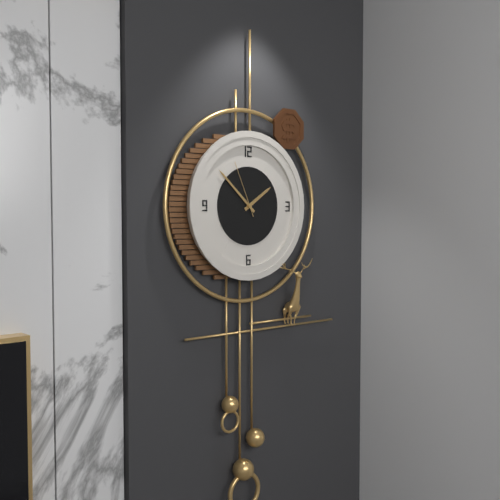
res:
h=1 m=52 s=56
